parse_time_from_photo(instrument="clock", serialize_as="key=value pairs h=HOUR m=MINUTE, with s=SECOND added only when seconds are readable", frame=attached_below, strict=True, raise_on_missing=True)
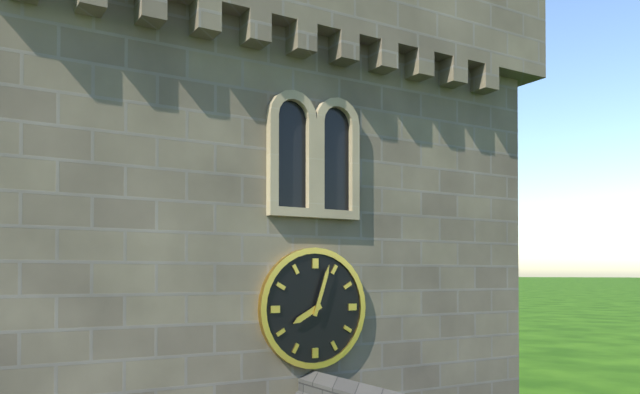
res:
h=8 m=3
